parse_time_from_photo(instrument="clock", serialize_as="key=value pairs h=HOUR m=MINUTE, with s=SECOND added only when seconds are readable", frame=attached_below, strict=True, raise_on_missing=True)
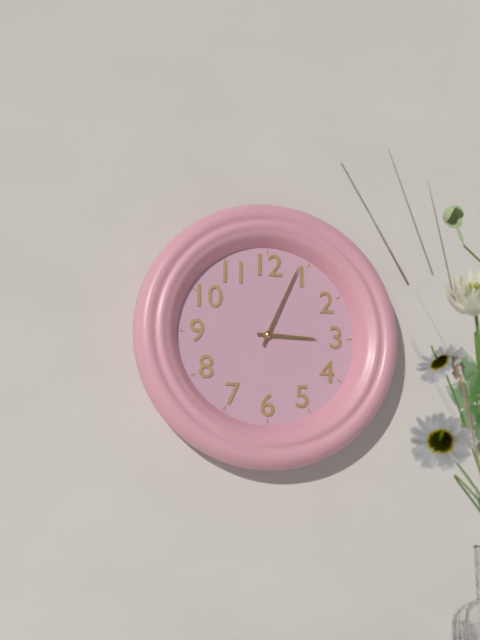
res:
h=3 m=4
